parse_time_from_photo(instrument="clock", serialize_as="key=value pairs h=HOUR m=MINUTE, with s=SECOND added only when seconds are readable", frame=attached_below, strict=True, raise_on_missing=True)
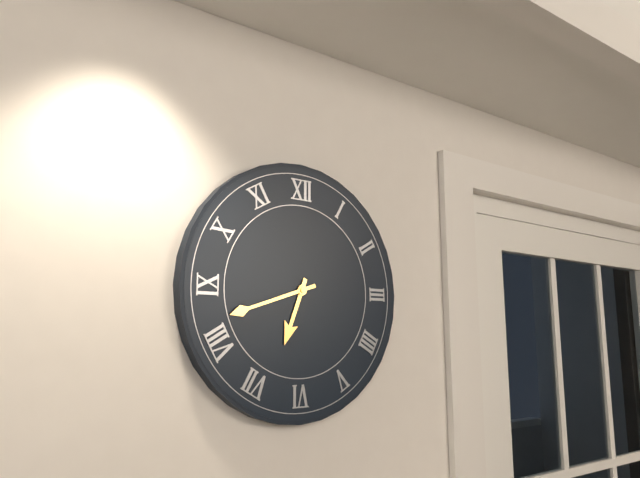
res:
h=6 m=42
